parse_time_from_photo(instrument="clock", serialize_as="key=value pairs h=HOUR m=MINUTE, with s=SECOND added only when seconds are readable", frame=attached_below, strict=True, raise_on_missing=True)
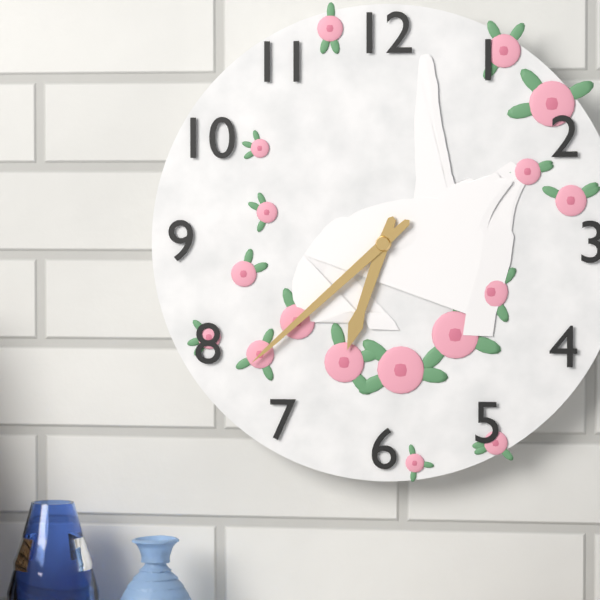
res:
h=6 m=38
